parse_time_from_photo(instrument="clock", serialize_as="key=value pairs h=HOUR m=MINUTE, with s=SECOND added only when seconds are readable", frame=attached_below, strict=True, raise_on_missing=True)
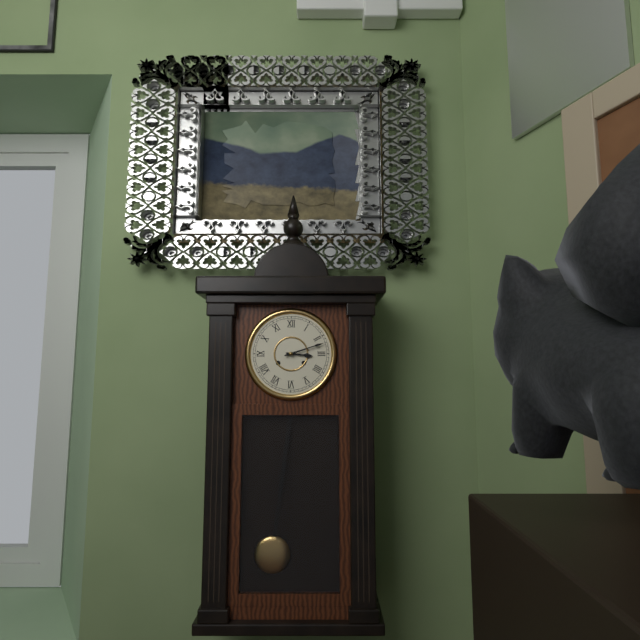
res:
h=3 m=12
